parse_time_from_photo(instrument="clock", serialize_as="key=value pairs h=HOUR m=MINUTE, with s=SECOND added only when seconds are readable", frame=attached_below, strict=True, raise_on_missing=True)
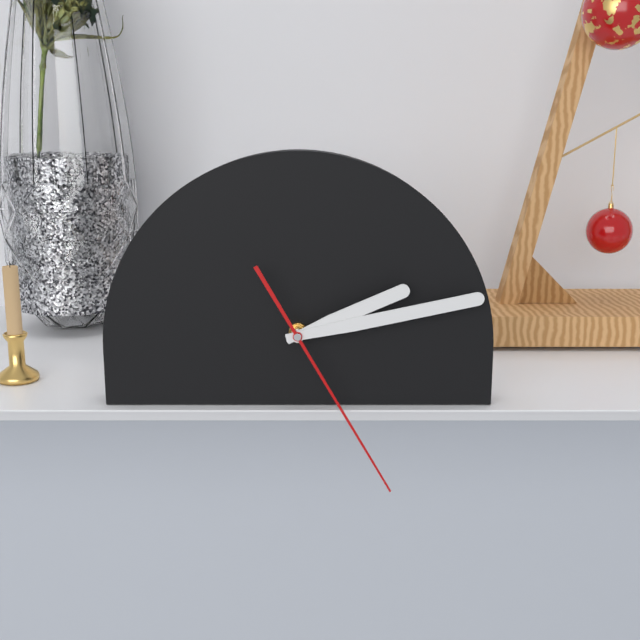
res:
h=2 m=13 s=25
